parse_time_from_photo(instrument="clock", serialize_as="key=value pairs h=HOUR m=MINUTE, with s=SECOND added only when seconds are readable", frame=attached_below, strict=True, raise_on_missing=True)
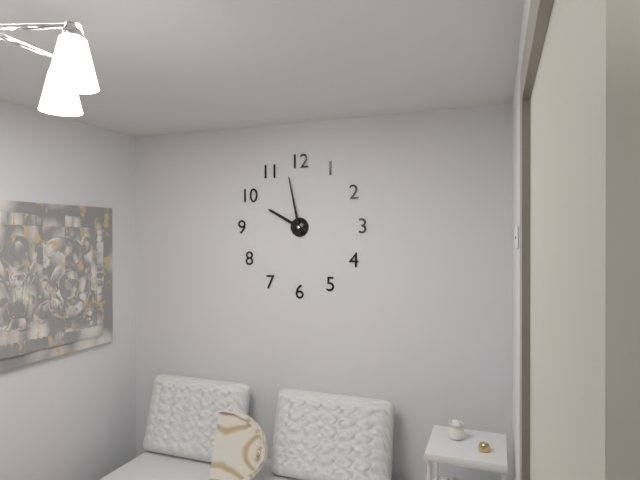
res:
h=9 m=58
